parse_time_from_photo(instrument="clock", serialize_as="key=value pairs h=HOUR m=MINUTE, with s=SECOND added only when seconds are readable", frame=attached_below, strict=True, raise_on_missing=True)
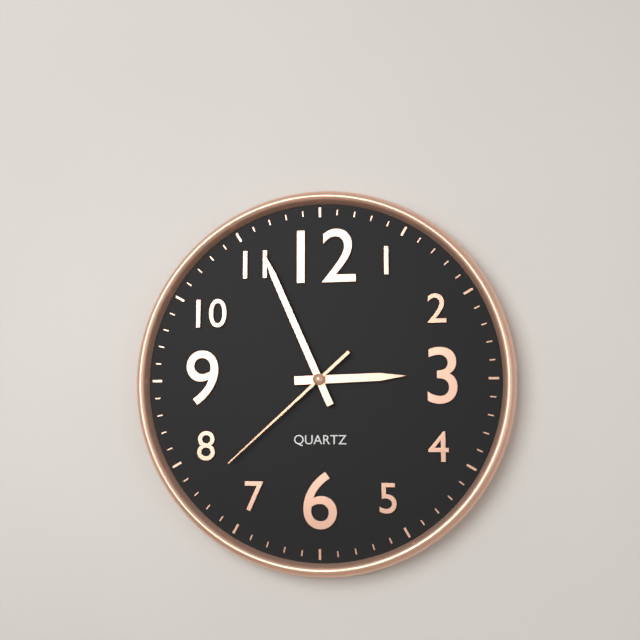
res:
h=2 m=56 s=38
